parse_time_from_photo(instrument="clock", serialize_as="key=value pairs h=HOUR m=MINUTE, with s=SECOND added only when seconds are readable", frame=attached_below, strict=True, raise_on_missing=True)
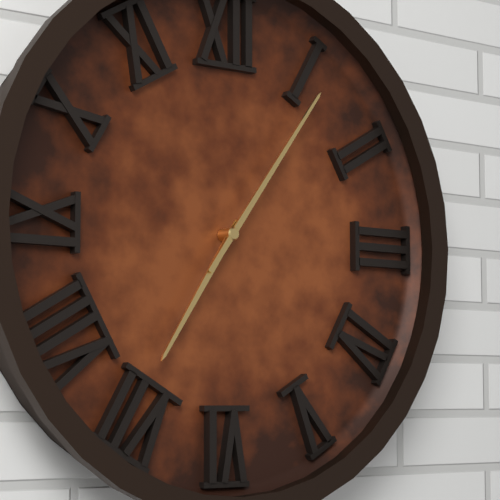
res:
h=7 m=6
